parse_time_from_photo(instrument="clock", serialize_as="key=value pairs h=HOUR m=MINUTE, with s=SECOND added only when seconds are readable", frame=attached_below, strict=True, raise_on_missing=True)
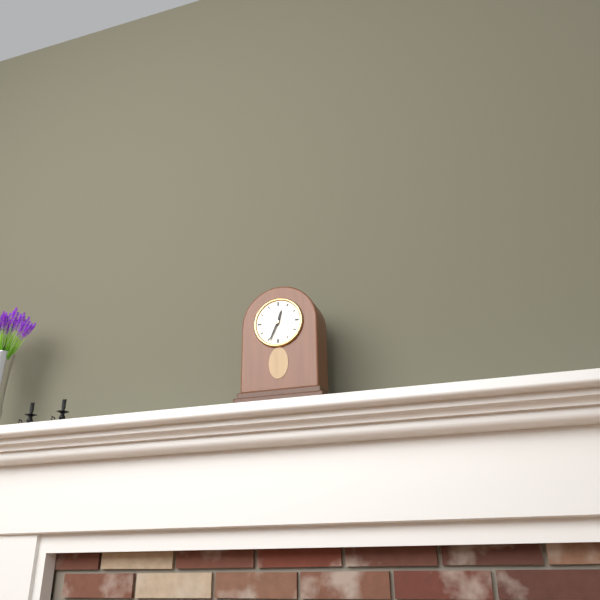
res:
h=12 m=34
